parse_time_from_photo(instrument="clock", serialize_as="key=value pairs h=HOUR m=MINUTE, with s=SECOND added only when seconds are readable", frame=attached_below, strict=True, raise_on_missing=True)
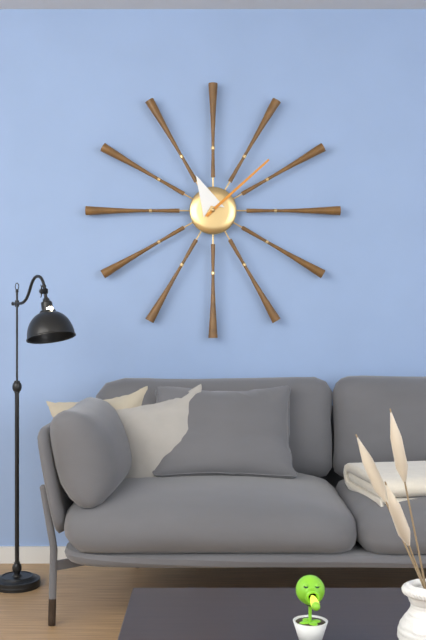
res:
h=11 m=8
